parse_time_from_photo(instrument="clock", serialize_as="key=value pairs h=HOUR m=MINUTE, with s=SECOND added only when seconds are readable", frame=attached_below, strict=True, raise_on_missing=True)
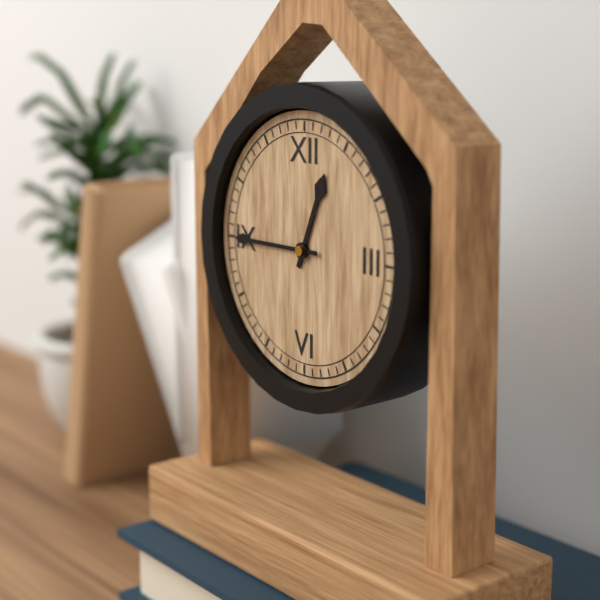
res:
h=12 m=45
